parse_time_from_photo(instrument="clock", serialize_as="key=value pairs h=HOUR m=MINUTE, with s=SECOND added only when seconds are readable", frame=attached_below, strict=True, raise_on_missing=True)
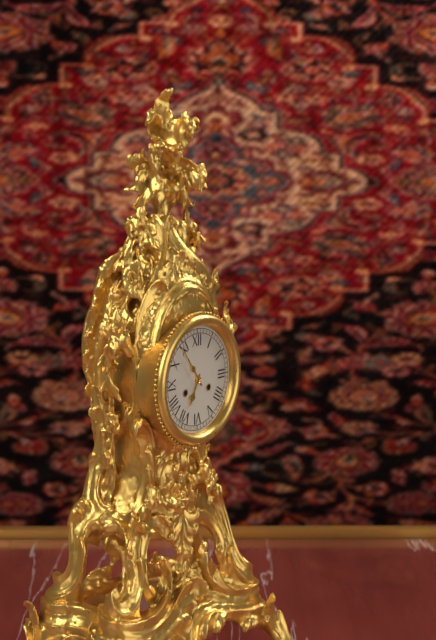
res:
h=6 m=54
